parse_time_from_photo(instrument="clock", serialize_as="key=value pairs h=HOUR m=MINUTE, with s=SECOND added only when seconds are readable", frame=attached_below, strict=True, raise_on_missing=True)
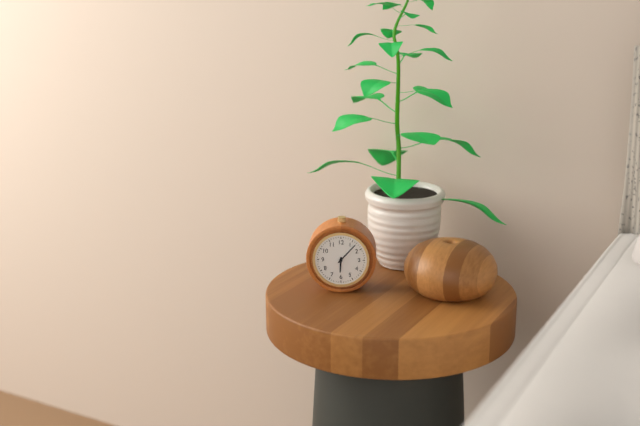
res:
h=6 m=7
